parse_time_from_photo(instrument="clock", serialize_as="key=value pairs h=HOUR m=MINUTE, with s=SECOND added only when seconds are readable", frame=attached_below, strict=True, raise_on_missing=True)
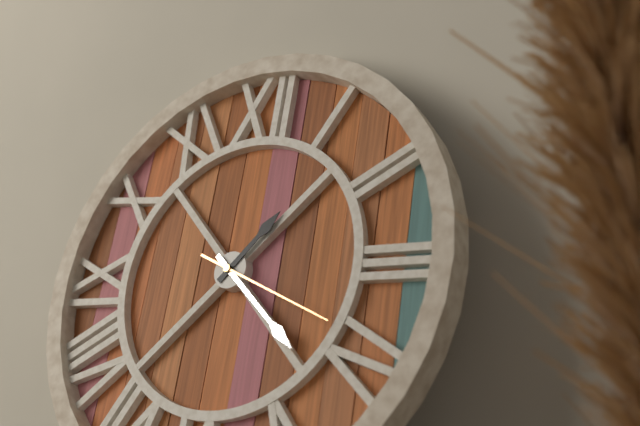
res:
h=1 m=22 s=19
